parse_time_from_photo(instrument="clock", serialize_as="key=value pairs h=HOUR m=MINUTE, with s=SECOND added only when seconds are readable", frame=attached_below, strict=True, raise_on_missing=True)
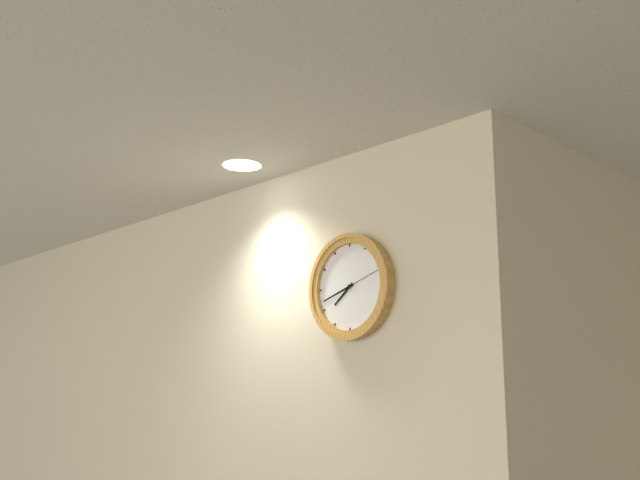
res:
h=7 m=42
